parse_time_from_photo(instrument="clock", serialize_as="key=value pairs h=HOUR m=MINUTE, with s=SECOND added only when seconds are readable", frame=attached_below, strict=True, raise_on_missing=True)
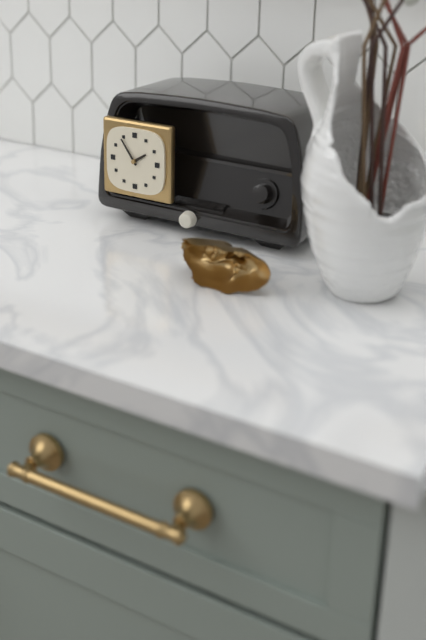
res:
h=1 m=54
